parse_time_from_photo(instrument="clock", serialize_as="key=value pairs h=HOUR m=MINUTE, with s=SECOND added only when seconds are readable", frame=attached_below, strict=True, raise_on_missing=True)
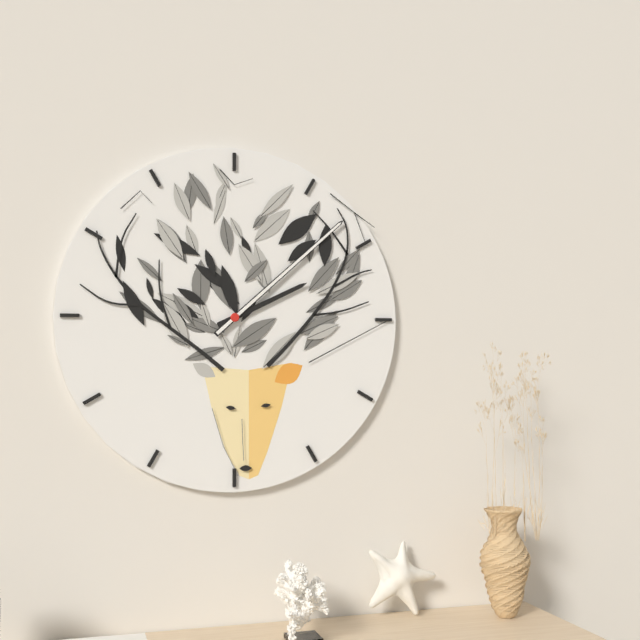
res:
h=2 m=8
